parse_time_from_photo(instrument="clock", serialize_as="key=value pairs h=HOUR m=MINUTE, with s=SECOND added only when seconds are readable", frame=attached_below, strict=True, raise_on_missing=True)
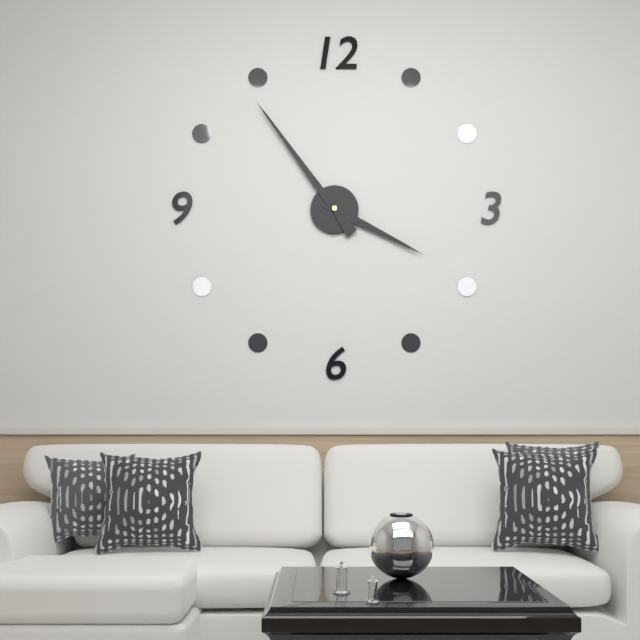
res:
h=3 m=54
